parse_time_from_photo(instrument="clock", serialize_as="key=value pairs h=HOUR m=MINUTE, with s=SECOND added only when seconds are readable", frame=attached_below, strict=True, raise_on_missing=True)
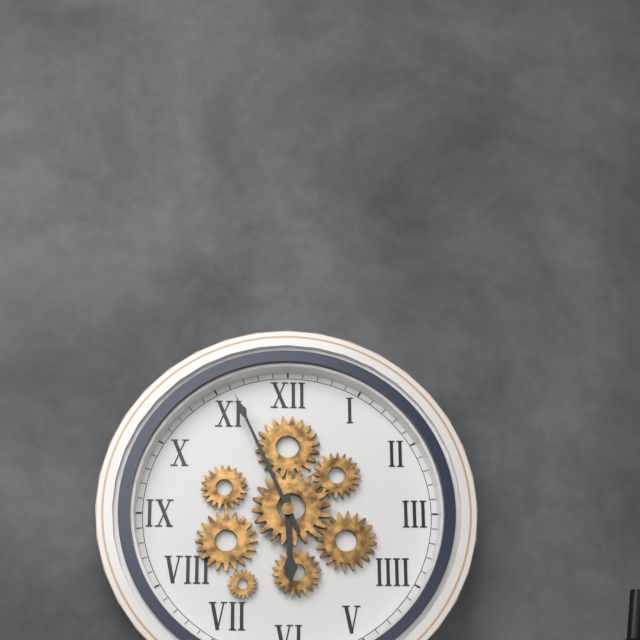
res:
h=5 m=56
